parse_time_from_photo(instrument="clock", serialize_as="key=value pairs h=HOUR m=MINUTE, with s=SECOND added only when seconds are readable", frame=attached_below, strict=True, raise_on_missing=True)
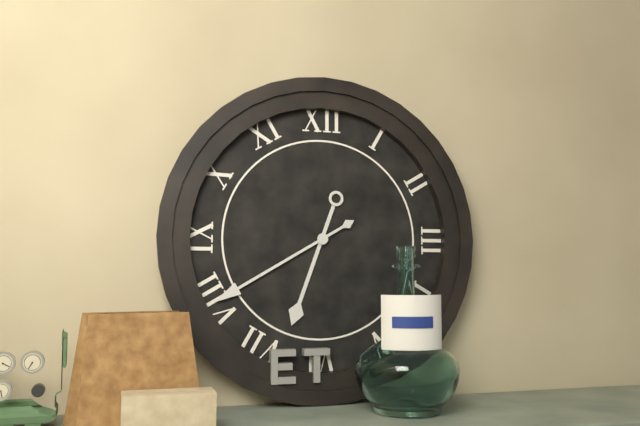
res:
h=6 m=40
